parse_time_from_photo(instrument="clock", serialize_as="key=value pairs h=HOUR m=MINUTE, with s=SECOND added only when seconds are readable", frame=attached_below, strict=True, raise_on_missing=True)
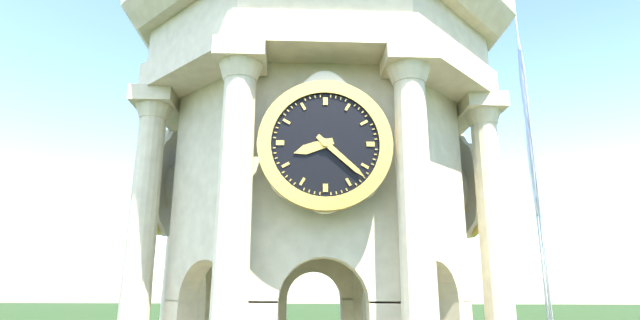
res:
h=8 m=22
